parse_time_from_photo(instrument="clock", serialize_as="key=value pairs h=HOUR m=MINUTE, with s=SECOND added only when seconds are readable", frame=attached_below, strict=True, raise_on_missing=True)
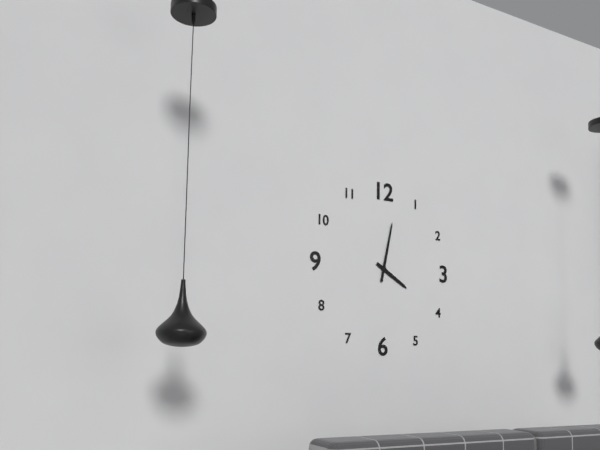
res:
h=4 m=2
